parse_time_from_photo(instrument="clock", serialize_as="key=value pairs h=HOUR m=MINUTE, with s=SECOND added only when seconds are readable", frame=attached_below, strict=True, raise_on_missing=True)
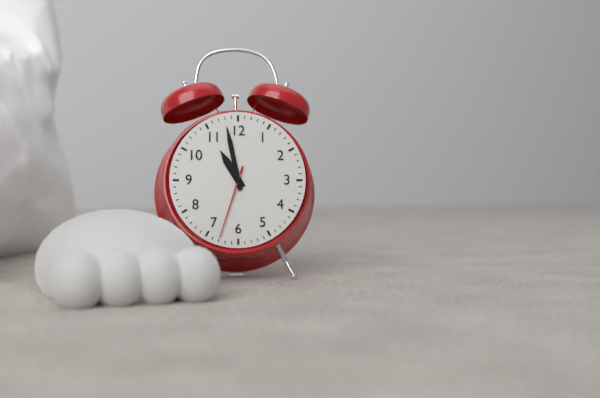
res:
h=10 m=58 s=33
